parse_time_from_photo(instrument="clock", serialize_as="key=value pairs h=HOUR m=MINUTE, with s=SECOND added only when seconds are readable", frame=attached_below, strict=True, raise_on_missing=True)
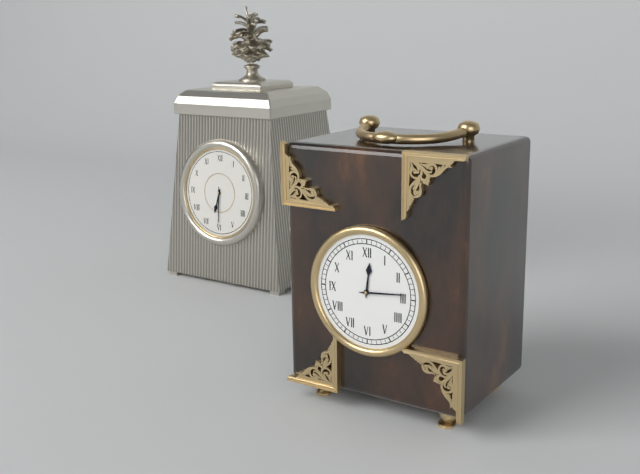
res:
h=12 m=14
